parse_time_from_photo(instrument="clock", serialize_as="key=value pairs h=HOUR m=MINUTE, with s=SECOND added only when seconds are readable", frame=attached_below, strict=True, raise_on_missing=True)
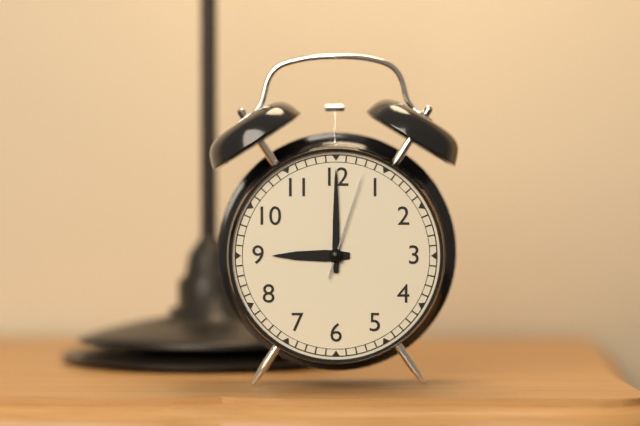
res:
h=9 m=0 s=3
